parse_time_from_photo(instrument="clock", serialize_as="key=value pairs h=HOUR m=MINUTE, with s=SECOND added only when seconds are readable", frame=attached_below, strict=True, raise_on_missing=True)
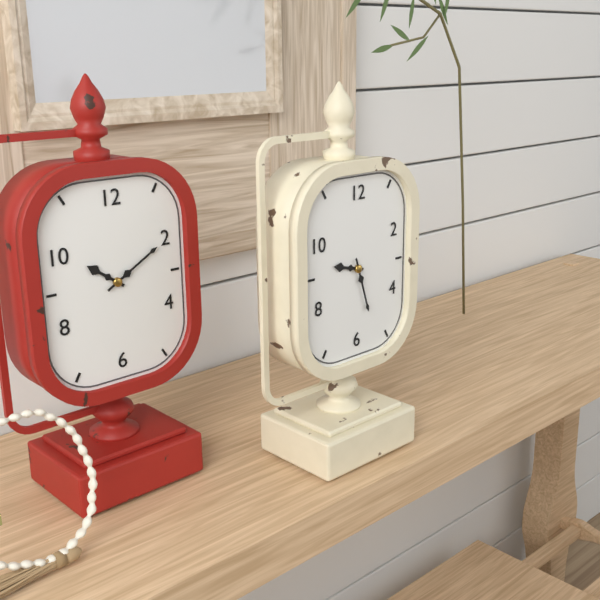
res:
h=9 m=27
